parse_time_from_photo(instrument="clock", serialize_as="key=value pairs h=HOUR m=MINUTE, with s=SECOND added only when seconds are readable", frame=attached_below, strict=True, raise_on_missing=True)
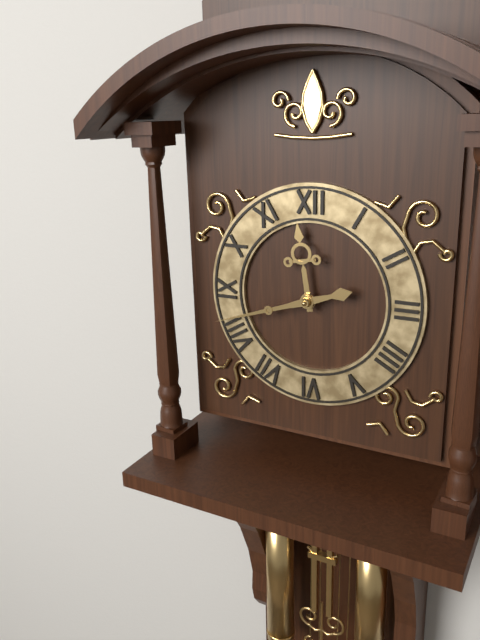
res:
h=11 m=42
